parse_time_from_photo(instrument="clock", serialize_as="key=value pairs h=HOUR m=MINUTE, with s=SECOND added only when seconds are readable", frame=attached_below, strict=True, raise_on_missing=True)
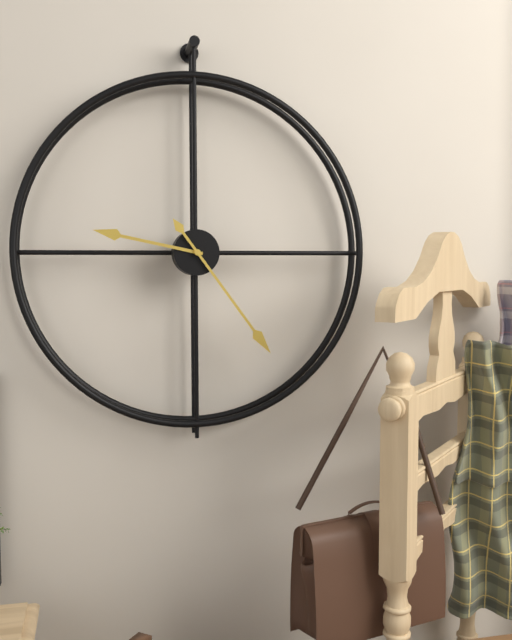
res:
h=9 m=24
